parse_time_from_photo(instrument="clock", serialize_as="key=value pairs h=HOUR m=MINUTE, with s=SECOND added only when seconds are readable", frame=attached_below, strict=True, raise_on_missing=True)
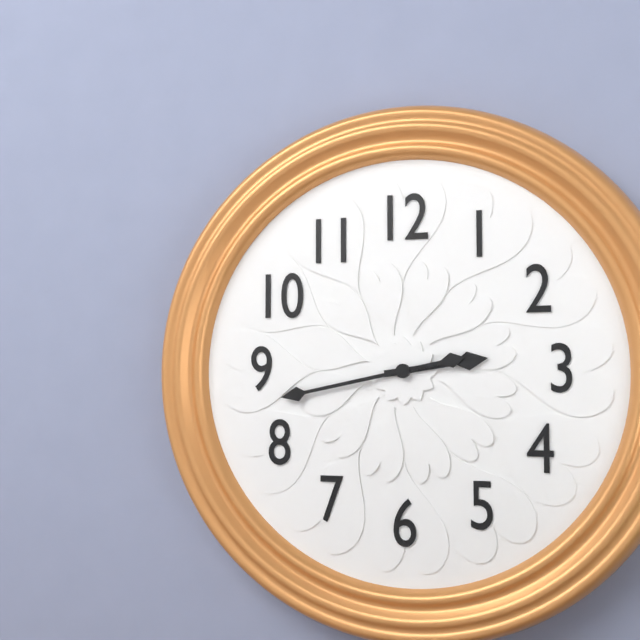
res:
h=2 m=43
